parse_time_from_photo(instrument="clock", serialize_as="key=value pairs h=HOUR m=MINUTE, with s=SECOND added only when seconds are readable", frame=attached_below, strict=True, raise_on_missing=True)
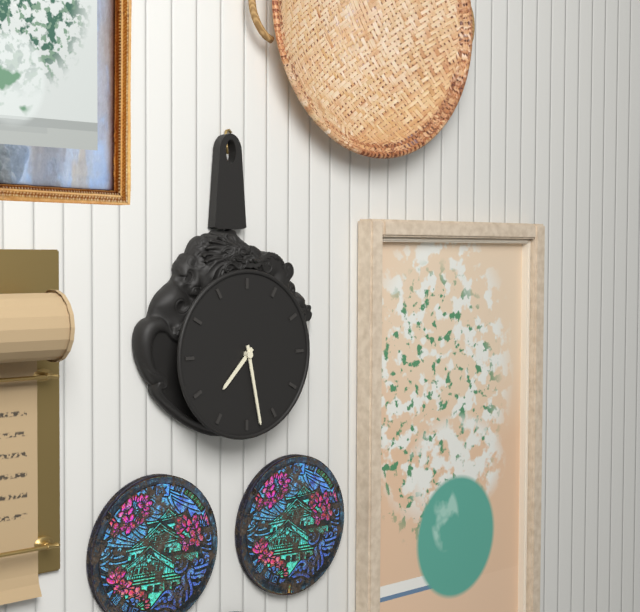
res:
h=7 m=28
